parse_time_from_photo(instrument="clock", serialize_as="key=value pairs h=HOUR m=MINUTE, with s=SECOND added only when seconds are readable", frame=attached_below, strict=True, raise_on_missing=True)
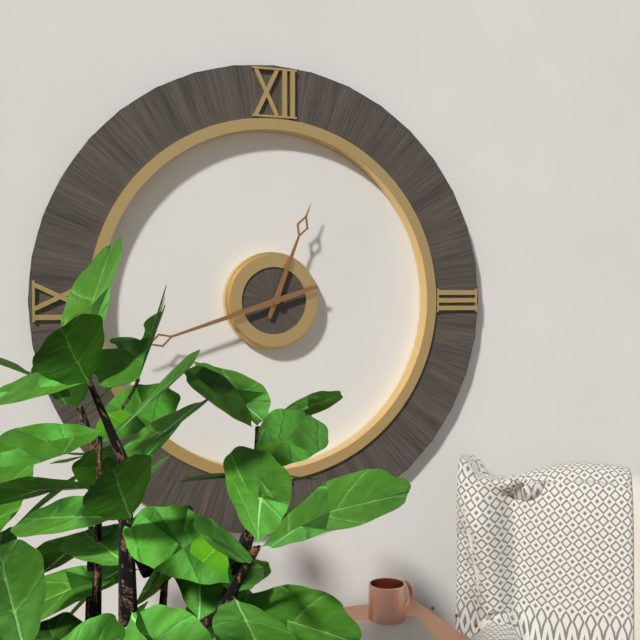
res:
h=12 m=42
